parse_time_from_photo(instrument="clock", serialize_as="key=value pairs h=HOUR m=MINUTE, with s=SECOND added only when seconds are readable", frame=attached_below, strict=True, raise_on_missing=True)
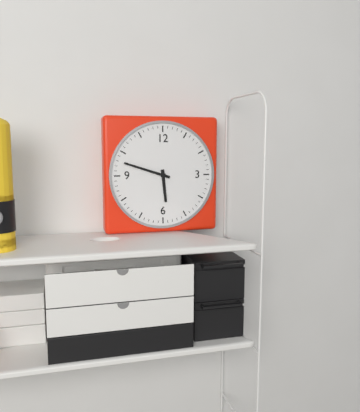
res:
h=5 m=48
